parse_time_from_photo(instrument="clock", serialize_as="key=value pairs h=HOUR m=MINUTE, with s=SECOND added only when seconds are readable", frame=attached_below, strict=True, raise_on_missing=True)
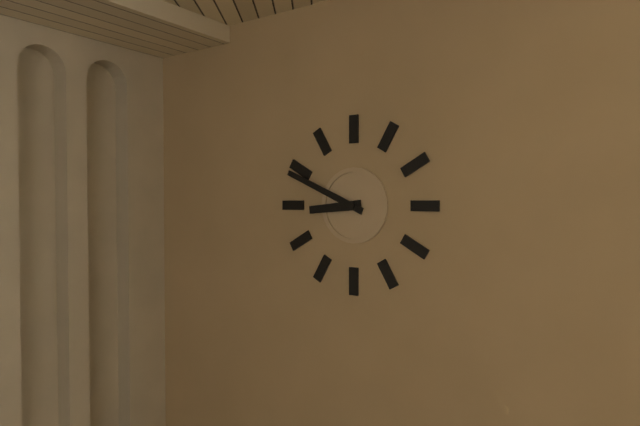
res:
h=8 m=49
